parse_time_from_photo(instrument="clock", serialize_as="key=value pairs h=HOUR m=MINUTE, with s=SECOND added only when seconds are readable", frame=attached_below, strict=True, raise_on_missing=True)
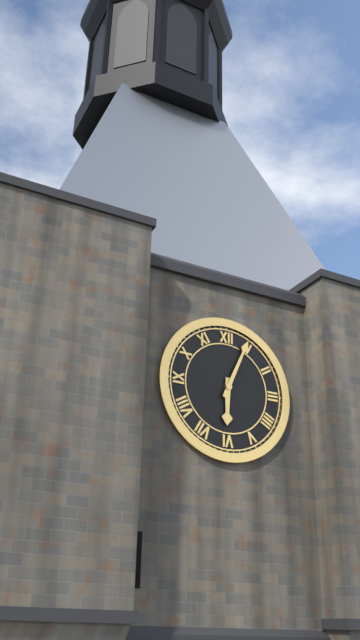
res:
h=6 m=4
